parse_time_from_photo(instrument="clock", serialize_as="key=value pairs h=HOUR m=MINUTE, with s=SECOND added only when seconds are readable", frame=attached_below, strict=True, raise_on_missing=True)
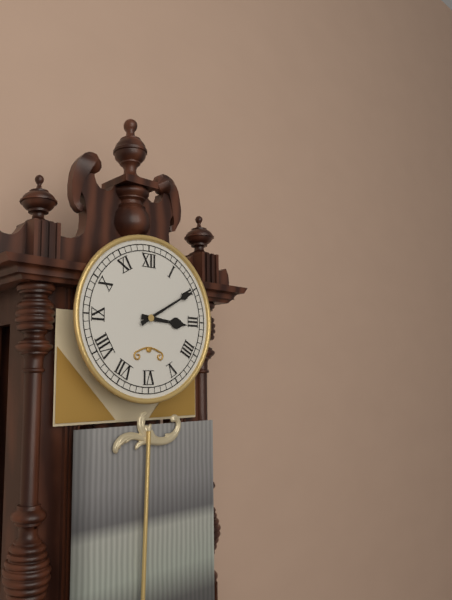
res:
h=3 m=10
